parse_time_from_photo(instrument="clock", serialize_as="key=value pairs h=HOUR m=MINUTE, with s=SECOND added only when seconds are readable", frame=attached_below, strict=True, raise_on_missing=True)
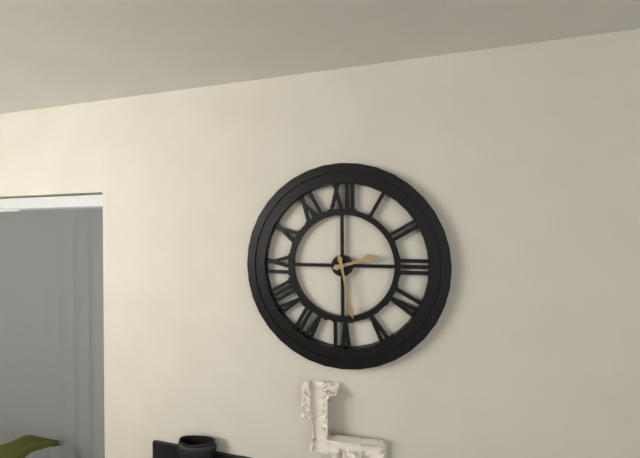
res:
h=2 m=28
